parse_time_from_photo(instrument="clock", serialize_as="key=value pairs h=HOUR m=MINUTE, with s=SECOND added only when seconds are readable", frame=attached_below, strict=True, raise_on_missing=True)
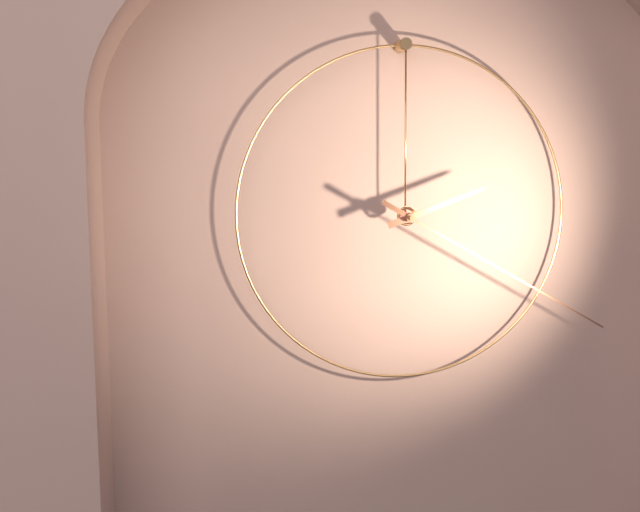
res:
h=2 m=20
